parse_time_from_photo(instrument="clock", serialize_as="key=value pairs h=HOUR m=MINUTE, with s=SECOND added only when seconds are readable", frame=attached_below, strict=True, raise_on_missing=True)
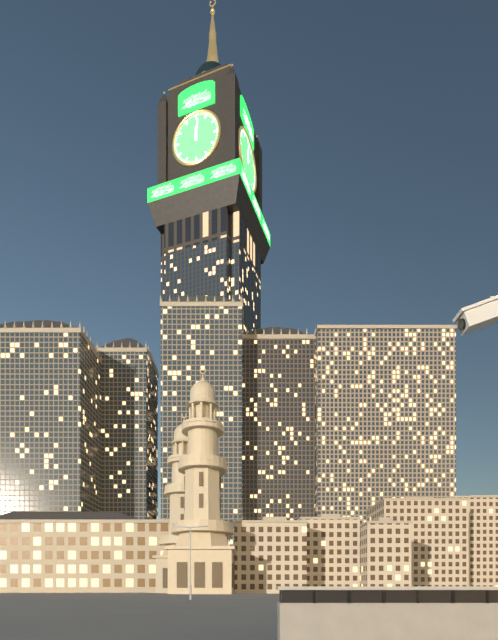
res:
h=12 m=1
